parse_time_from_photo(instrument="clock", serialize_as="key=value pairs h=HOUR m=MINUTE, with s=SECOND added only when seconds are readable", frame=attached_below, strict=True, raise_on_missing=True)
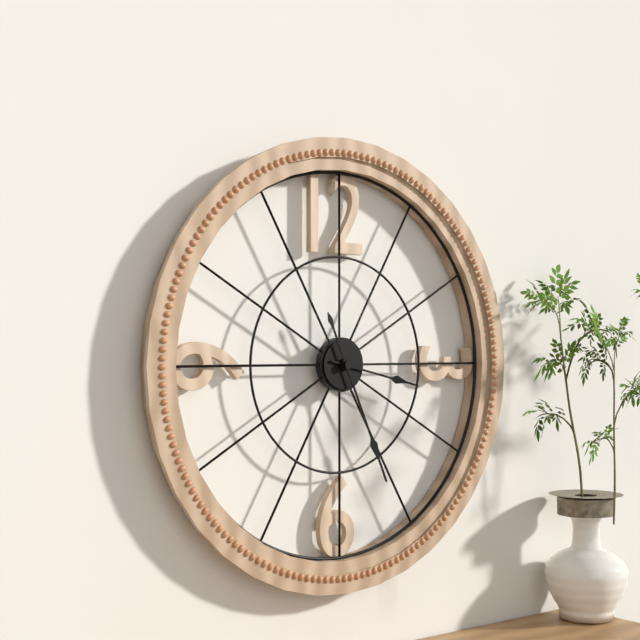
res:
h=3 m=26
